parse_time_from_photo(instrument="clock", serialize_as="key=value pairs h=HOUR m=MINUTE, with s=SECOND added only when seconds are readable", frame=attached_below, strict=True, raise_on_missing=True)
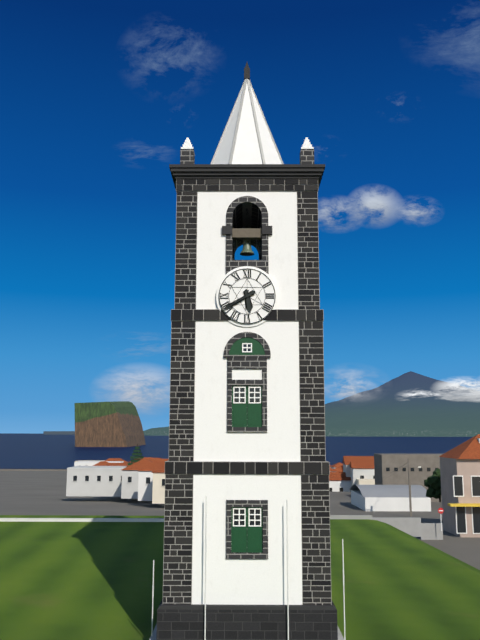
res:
h=5 m=40
